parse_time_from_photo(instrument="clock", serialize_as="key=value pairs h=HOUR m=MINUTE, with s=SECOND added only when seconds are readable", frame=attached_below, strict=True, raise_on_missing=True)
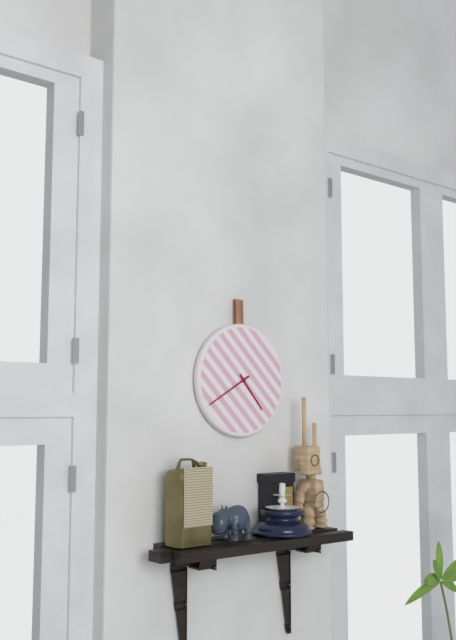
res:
h=4 m=40
